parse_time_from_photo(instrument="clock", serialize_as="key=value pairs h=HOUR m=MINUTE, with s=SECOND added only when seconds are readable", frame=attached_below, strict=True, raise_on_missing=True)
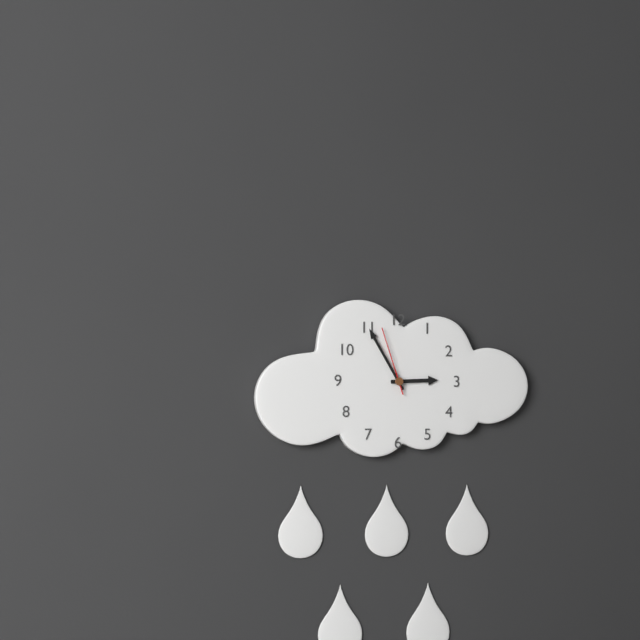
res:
h=2 m=55 s=57
